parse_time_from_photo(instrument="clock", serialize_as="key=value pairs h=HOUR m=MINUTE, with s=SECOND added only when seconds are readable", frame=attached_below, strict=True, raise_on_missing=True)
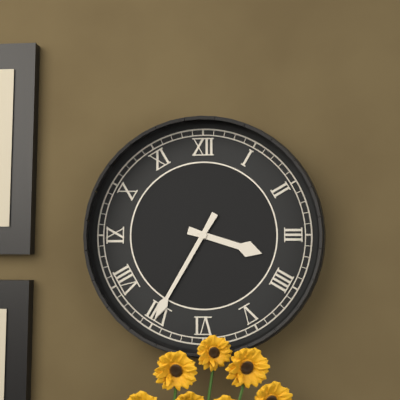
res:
h=3 m=35
